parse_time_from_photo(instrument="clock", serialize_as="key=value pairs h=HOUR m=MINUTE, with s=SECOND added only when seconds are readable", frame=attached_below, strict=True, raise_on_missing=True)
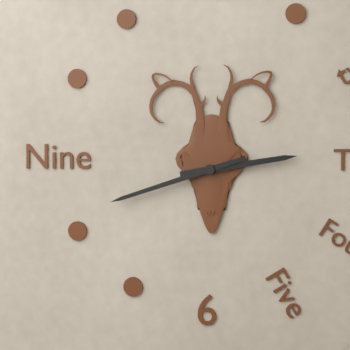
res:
h=2 m=42
